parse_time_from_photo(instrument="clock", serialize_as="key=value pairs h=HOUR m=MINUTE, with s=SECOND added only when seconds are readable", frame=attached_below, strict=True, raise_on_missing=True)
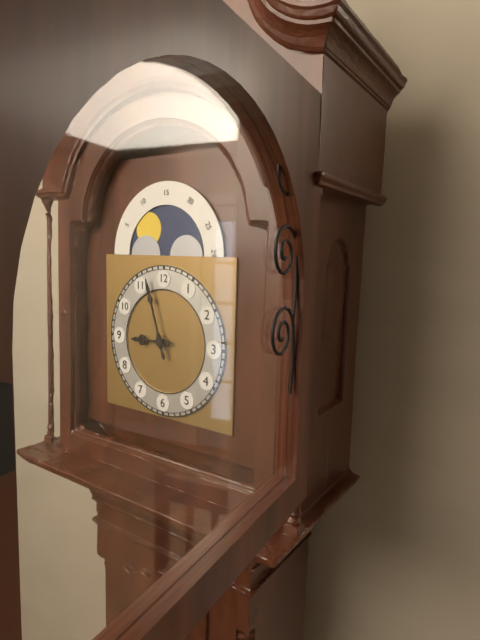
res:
h=8 m=57
